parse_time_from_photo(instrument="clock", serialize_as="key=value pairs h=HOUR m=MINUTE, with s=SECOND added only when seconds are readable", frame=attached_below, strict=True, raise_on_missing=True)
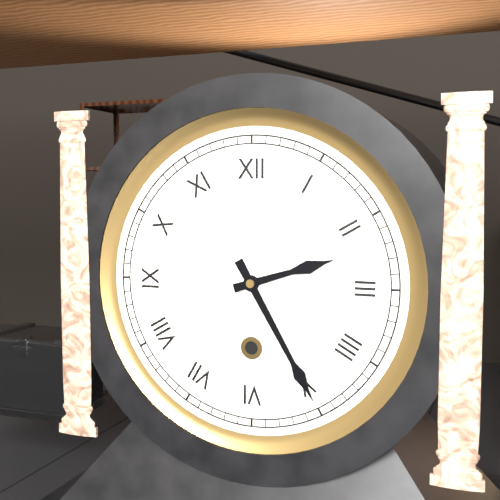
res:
h=2 m=25
